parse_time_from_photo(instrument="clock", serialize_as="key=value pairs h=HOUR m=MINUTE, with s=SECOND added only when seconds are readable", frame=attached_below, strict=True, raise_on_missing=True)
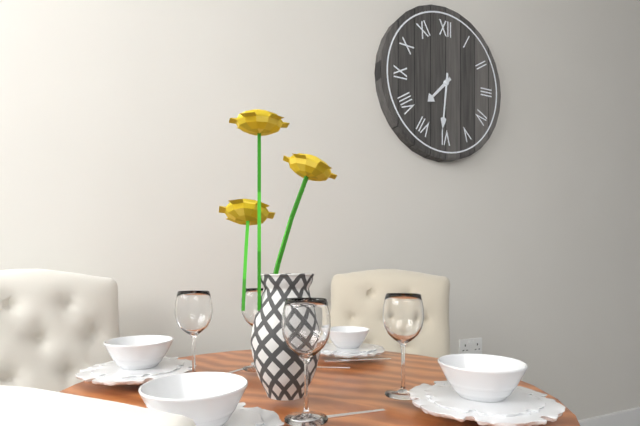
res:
h=7 m=31
